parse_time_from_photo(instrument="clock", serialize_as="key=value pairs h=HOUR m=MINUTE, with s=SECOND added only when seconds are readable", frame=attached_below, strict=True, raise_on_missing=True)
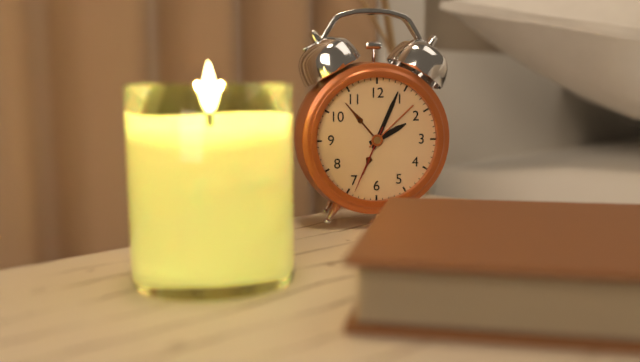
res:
h=2 m=4 s=34
